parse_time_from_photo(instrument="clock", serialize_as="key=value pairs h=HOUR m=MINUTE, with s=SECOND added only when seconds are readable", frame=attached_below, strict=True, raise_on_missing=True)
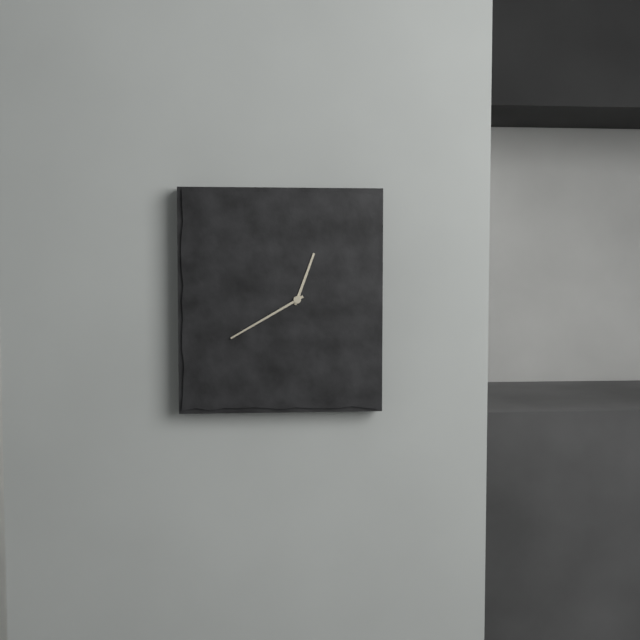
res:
h=12 m=40
